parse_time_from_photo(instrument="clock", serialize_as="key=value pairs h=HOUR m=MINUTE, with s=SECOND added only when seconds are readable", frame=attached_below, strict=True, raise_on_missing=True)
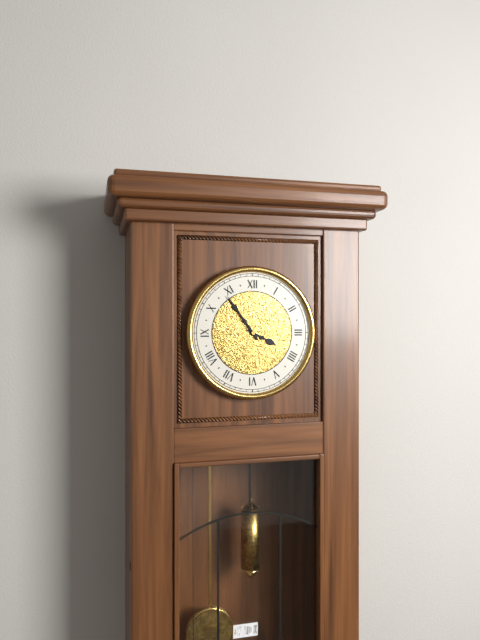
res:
h=3 m=54
